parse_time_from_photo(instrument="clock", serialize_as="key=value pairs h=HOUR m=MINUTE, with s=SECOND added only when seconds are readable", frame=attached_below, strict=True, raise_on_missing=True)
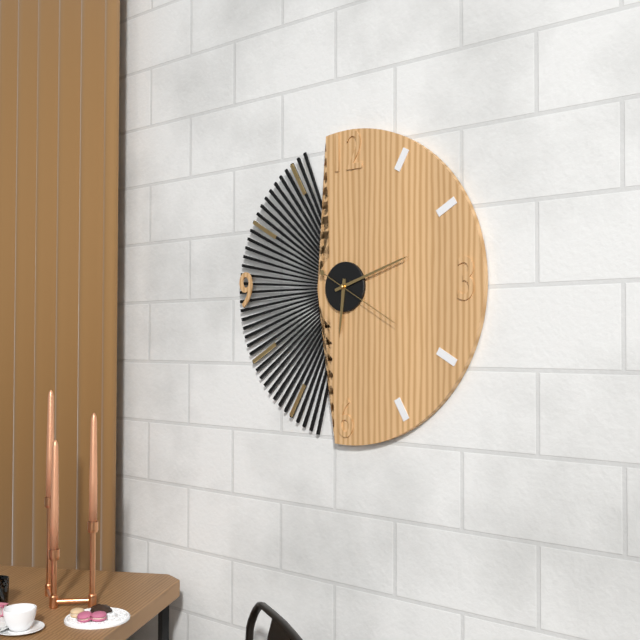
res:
h=6 m=12 s=20
